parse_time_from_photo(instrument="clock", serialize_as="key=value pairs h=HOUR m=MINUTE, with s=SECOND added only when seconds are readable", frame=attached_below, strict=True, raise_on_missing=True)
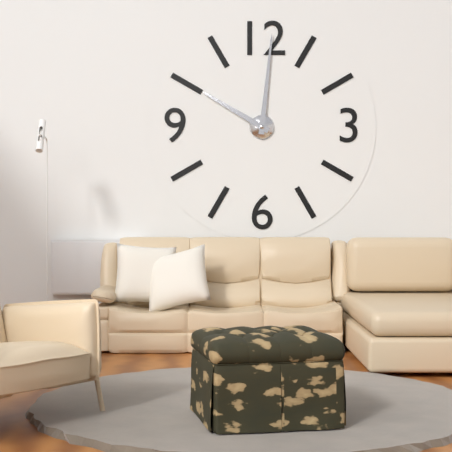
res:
h=10 m=1
